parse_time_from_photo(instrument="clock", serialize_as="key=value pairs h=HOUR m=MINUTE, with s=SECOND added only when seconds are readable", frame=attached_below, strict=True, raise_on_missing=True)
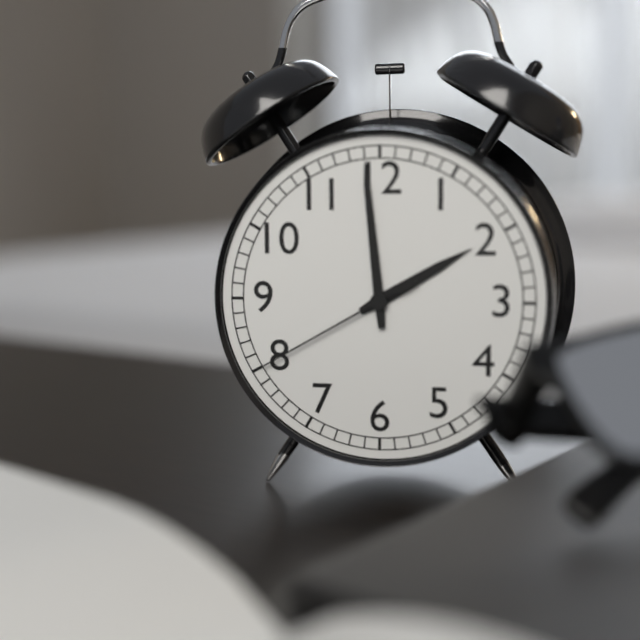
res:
h=1 m=59 s=40
